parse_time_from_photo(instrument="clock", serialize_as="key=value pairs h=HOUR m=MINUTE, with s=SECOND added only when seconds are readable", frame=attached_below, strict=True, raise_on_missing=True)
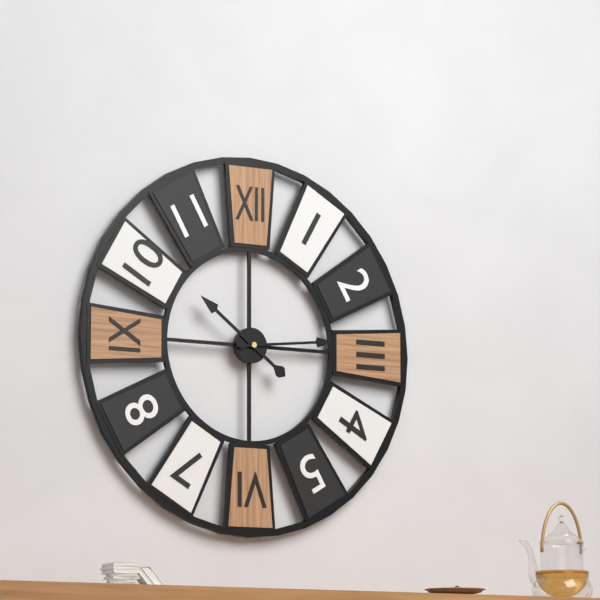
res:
h=10 m=14
